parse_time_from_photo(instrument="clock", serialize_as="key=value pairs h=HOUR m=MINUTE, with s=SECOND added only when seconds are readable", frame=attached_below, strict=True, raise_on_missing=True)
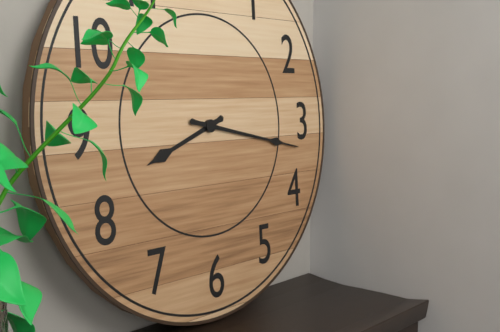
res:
h=8 m=17
